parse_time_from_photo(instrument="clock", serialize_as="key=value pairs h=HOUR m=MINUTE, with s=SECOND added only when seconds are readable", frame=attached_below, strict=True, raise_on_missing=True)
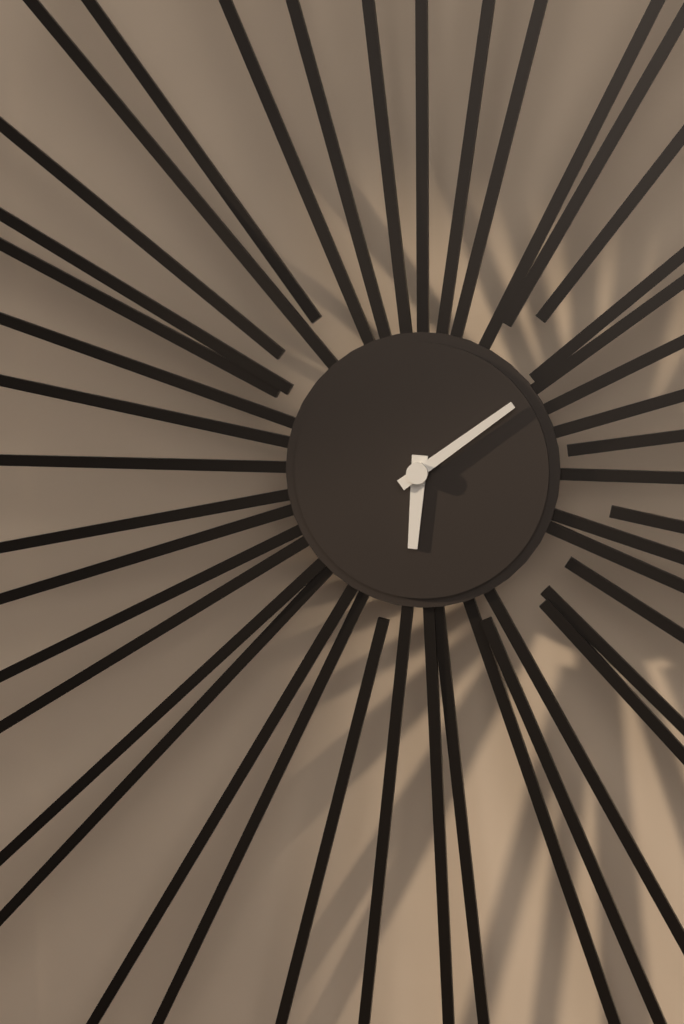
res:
h=6 m=9
